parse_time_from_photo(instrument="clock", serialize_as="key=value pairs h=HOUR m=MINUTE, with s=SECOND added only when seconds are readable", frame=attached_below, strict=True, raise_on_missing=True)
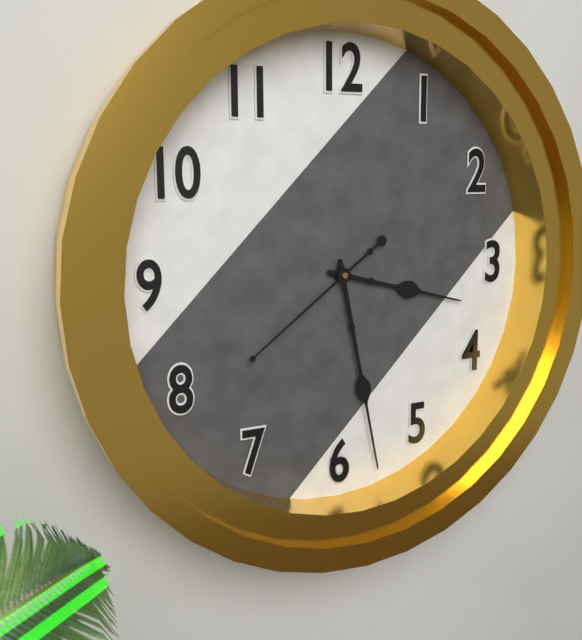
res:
h=3 m=28 s=39
